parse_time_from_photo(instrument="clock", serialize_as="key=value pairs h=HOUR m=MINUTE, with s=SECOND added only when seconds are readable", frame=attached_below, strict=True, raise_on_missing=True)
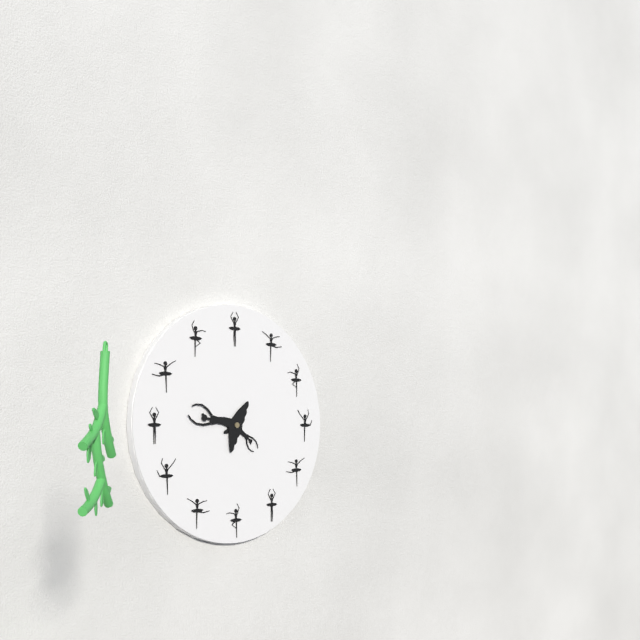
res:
h=4 m=49
